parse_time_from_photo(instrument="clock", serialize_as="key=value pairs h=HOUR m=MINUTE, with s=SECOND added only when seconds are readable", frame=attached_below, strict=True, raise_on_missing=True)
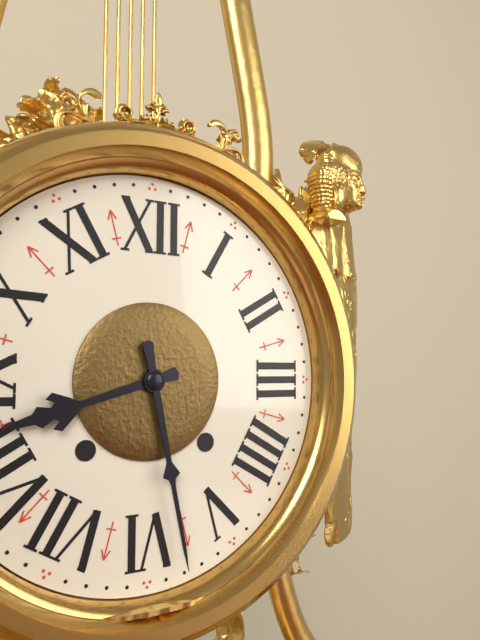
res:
h=8 m=28
